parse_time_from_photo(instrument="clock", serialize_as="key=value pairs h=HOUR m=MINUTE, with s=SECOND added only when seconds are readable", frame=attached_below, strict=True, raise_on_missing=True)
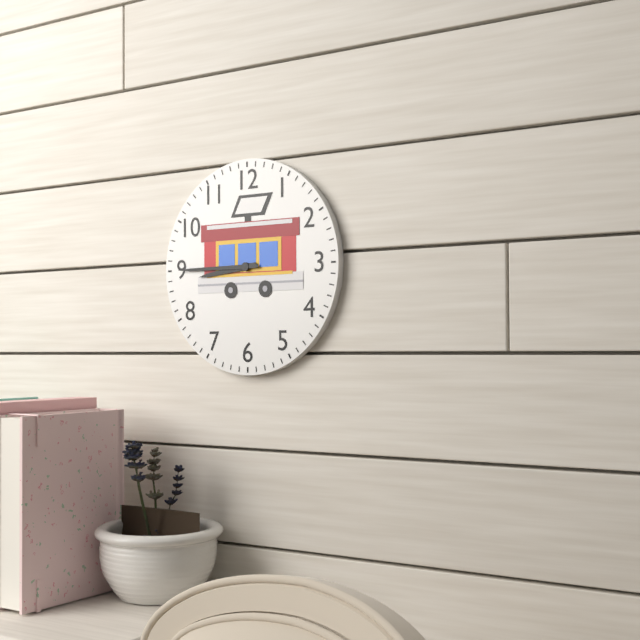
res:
h=8 m=45
